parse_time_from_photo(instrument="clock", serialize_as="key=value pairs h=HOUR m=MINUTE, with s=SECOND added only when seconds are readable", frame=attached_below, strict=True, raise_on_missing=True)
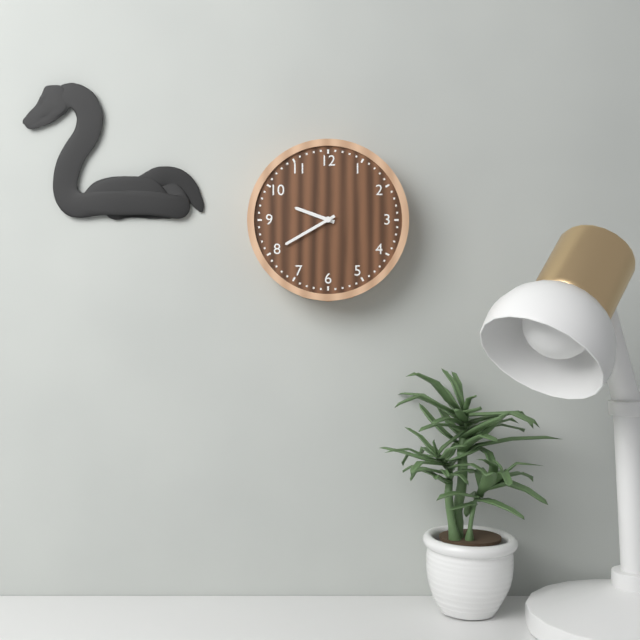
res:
h=9 m=40
